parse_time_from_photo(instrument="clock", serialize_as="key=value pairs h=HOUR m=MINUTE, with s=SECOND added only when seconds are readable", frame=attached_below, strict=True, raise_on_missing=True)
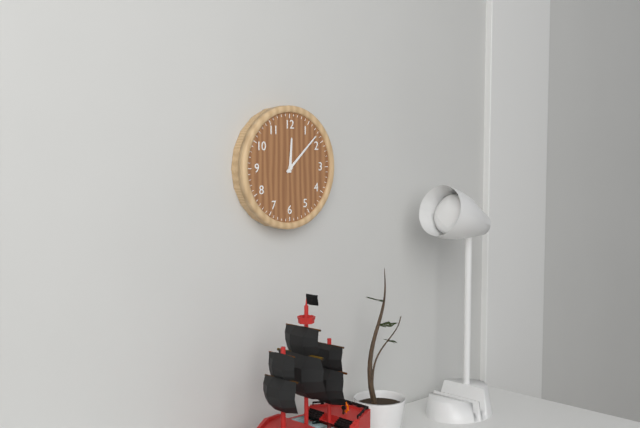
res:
h=12 m=8
